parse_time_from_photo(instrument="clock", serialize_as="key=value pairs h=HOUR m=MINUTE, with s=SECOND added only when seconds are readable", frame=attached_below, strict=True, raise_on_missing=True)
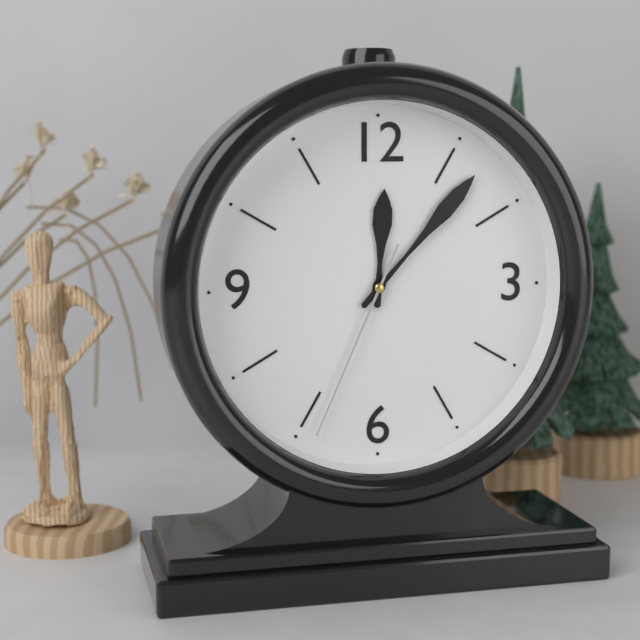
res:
h=12 m=7 s=34
